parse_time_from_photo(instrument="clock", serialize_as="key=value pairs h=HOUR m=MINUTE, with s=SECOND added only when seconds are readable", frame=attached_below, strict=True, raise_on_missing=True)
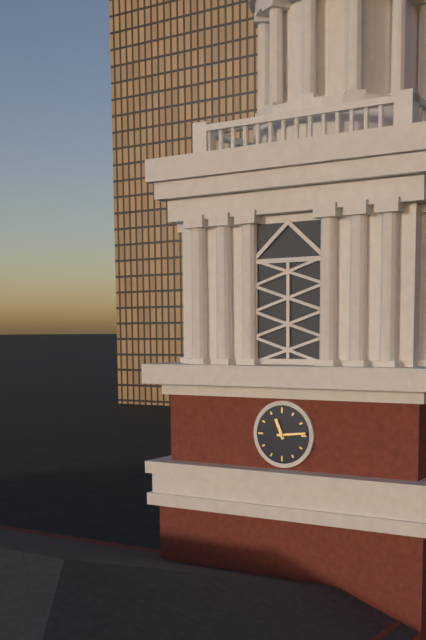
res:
h=11 m=14
